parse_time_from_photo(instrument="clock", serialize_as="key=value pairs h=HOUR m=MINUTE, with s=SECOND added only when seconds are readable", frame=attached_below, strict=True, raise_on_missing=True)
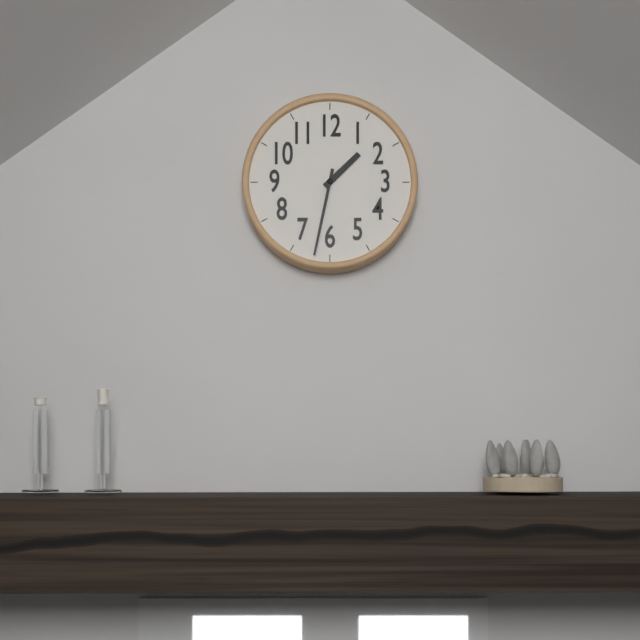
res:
h=1 m=32
